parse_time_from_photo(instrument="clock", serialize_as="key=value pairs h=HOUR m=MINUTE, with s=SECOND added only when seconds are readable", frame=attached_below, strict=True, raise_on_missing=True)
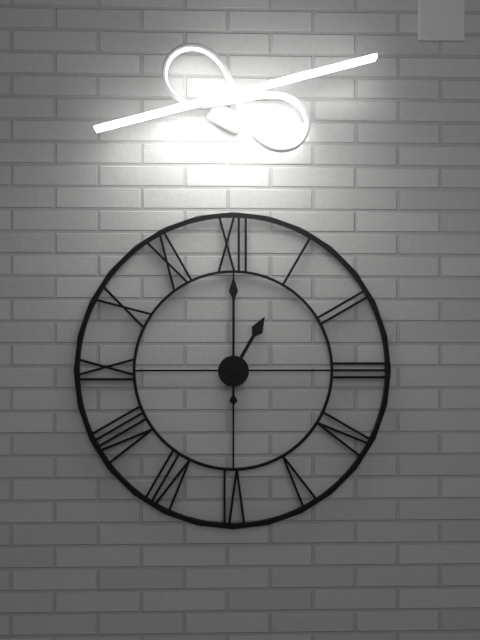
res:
h=1 m=0
